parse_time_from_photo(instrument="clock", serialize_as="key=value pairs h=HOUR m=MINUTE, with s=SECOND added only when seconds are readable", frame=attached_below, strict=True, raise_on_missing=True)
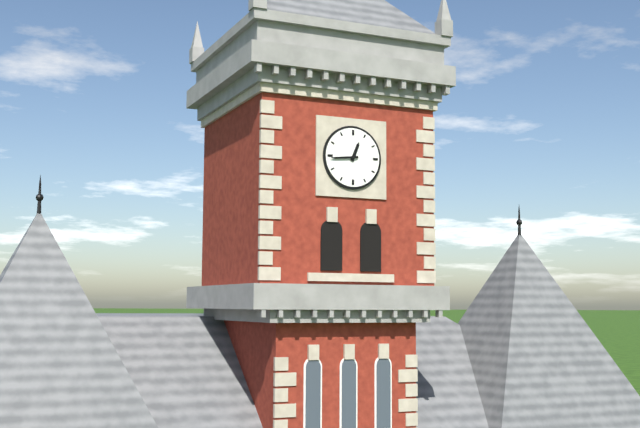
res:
h=12 m=44
